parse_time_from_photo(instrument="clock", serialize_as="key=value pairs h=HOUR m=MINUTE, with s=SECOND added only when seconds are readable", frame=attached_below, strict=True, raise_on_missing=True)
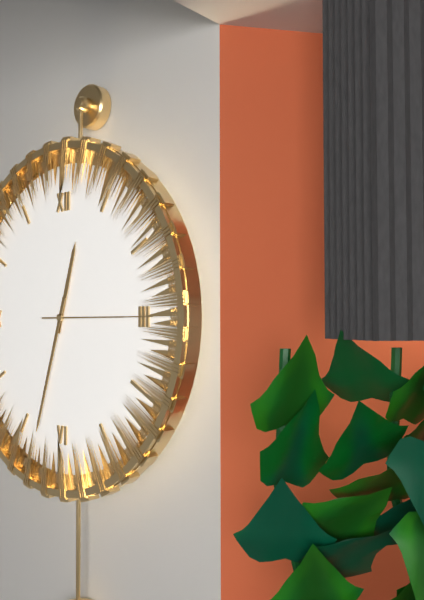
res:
h=12 m=33 s=15
